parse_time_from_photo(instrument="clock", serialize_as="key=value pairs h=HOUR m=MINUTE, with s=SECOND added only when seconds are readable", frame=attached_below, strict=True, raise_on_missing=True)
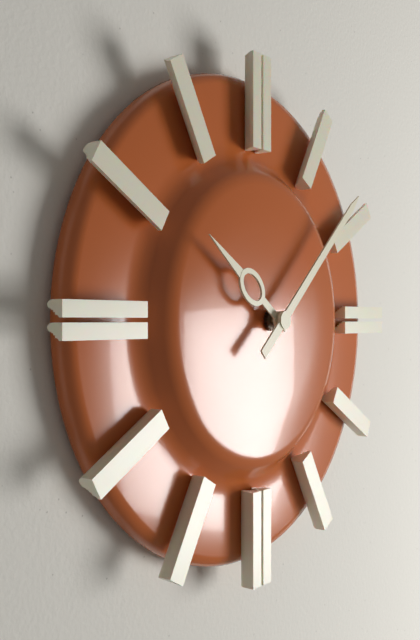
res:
h=10 m=8
